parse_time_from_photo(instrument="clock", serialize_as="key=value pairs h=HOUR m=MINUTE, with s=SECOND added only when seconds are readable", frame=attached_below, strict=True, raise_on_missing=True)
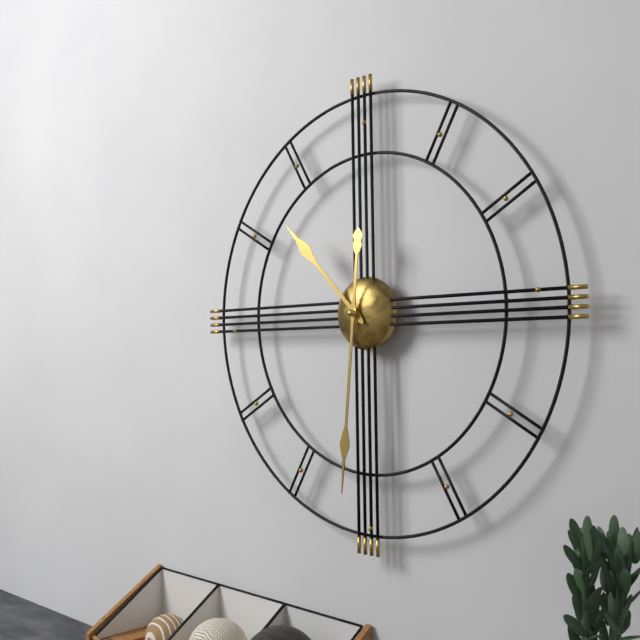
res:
h=10 m=31
